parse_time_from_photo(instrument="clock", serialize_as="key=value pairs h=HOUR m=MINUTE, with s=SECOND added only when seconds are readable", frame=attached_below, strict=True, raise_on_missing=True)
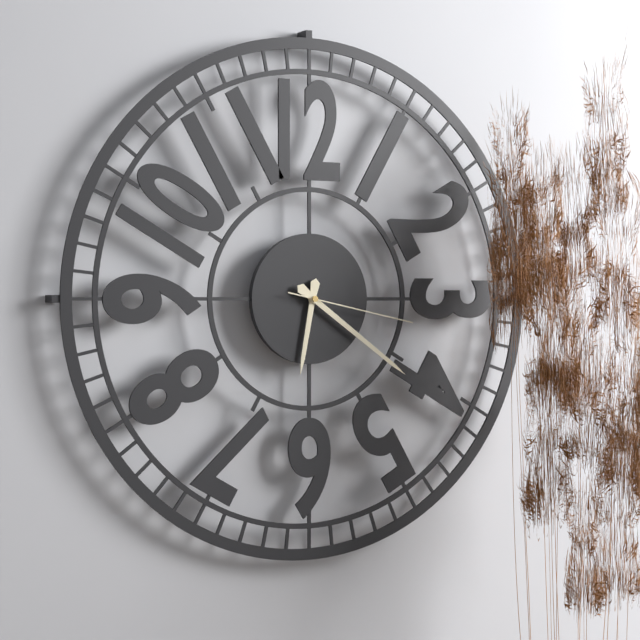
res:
h=6 m=21 s=17
